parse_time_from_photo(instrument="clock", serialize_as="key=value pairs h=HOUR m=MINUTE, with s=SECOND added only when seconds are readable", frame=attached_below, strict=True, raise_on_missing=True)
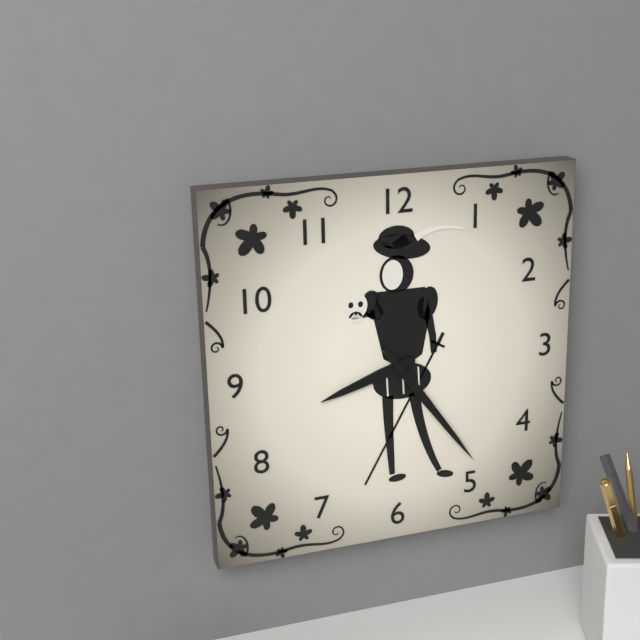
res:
h=8 m=24
